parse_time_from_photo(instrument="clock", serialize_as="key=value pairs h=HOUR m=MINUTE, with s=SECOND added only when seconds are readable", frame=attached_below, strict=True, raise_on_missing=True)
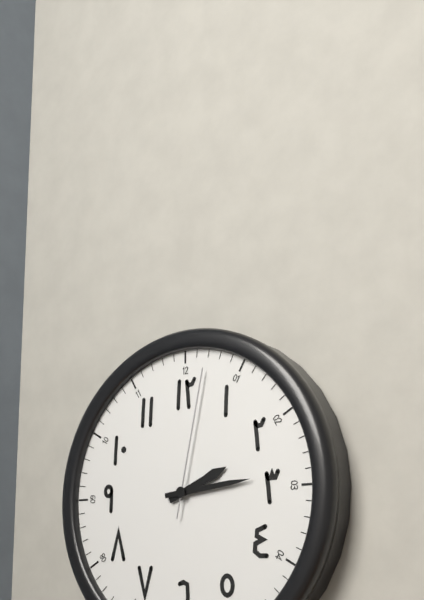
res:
h=2 m=14 s=2
